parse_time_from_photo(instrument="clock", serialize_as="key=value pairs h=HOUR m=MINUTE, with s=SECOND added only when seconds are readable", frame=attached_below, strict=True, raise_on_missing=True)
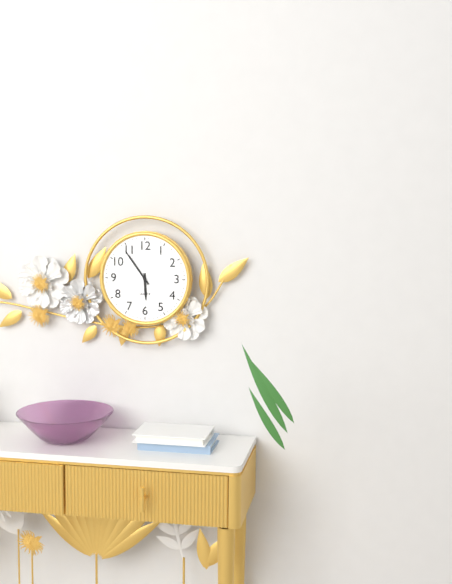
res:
h=5 m=54
